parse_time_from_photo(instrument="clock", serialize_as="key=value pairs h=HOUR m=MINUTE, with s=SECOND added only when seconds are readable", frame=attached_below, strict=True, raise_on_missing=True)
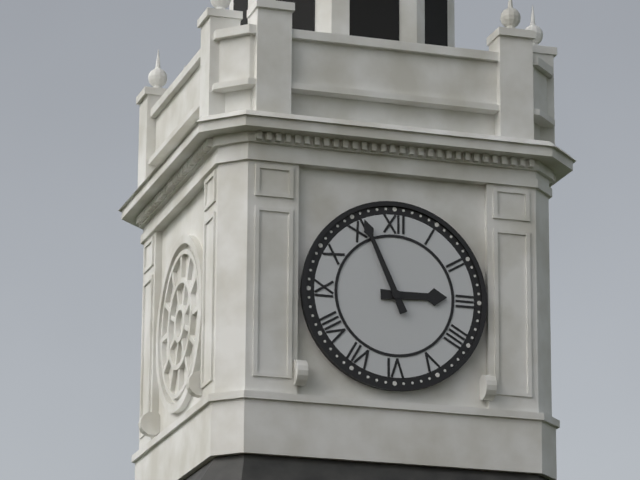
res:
h=2 m=56
